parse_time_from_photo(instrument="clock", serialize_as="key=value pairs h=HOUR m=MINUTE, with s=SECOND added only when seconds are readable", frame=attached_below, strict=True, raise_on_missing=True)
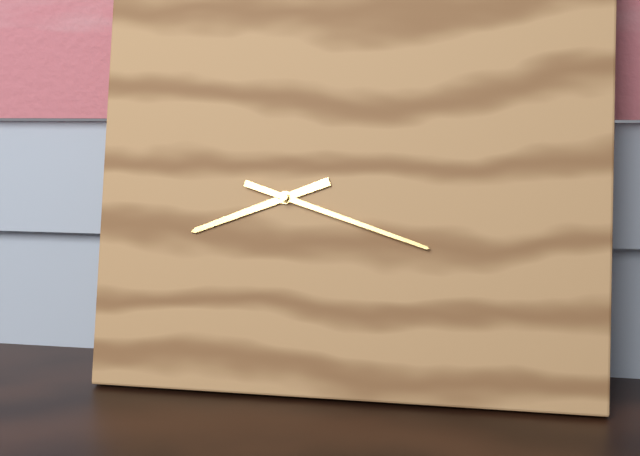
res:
h=8 m=18
